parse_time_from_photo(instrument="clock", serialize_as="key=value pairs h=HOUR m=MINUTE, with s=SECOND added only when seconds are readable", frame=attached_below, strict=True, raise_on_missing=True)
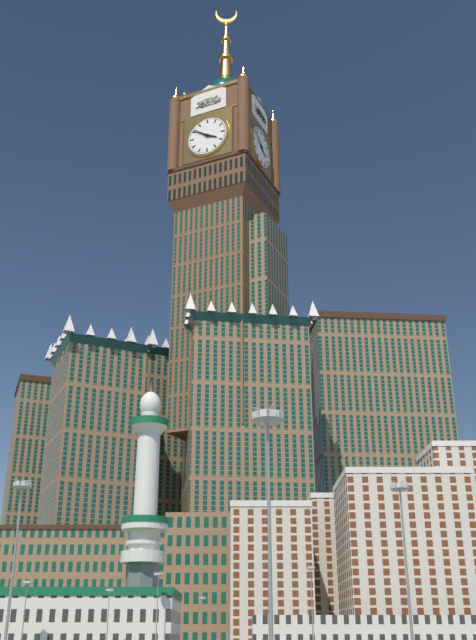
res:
h=3 m=51
